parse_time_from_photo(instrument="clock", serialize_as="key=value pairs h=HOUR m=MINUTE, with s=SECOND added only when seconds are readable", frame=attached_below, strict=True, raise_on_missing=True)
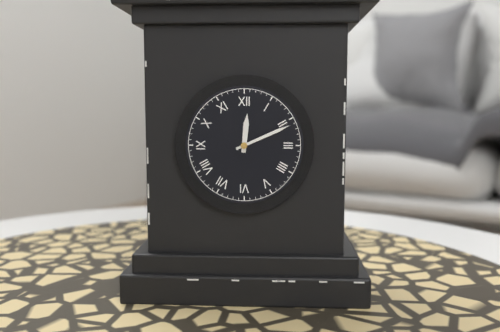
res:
h=12 m=11
